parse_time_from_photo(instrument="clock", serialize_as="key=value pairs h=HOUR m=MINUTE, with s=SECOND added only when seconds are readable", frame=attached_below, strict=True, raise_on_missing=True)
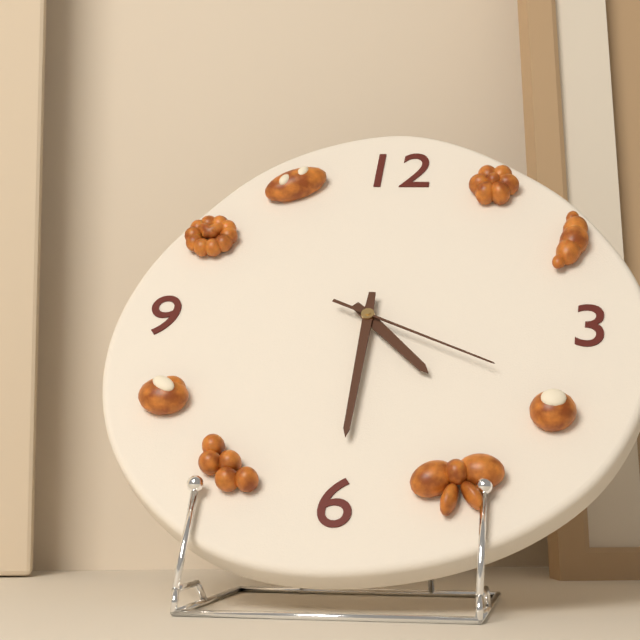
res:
h=4 m=30 s=19
